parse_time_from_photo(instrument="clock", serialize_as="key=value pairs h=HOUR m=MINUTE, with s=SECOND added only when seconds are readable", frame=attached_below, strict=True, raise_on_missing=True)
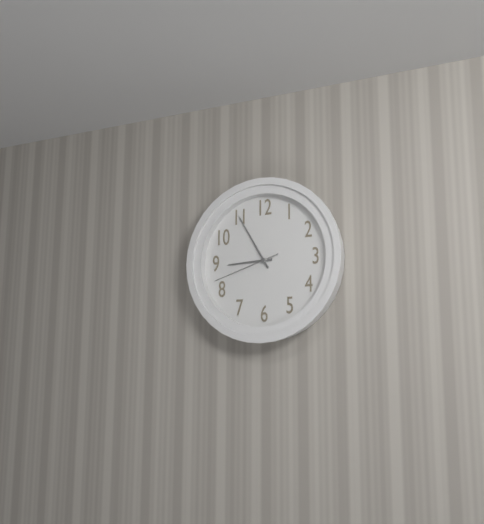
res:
h=8 m=55 s=42
